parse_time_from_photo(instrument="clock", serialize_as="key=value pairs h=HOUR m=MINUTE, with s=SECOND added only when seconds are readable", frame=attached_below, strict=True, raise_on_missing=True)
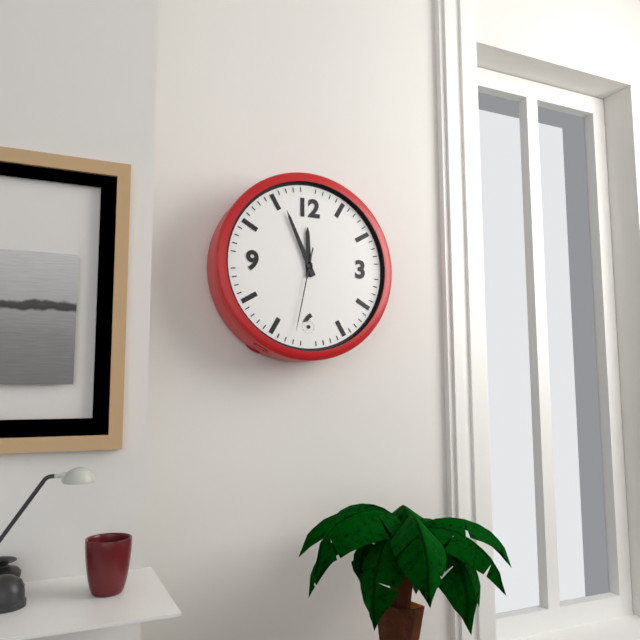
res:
h=11 m=56 s=32
